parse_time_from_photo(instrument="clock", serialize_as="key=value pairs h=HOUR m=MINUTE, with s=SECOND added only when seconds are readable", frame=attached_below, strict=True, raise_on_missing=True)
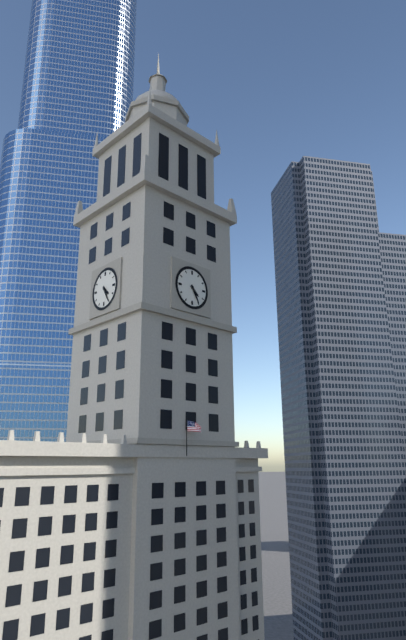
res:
h=4 m=25
